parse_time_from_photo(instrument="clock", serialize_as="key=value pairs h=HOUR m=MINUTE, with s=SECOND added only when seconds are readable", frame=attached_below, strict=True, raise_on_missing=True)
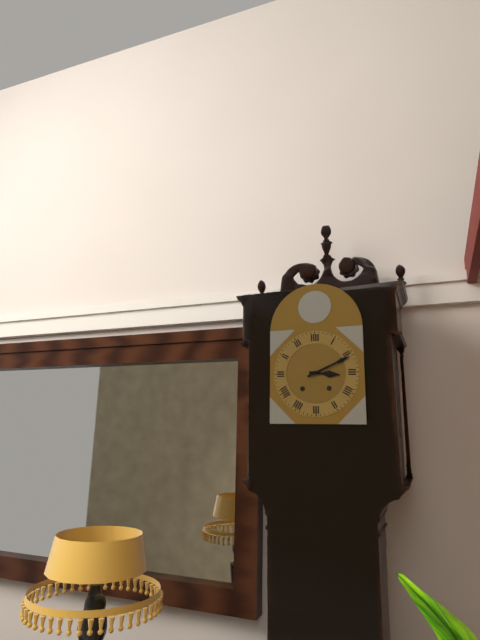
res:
h=3 m=11
